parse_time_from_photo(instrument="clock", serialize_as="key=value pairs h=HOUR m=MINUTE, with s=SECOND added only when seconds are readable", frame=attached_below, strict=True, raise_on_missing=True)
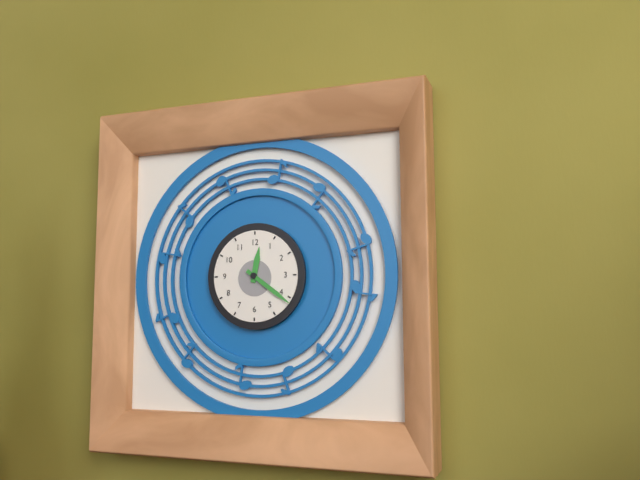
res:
h=12 m=21
